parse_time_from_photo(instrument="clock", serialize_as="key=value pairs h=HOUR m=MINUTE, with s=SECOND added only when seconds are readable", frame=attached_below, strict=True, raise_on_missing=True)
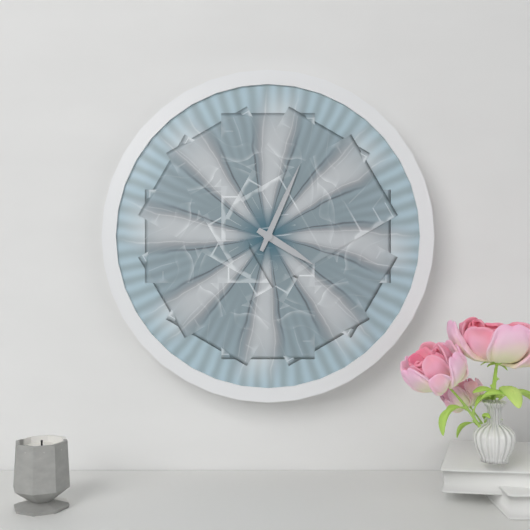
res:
h=4 m=4
